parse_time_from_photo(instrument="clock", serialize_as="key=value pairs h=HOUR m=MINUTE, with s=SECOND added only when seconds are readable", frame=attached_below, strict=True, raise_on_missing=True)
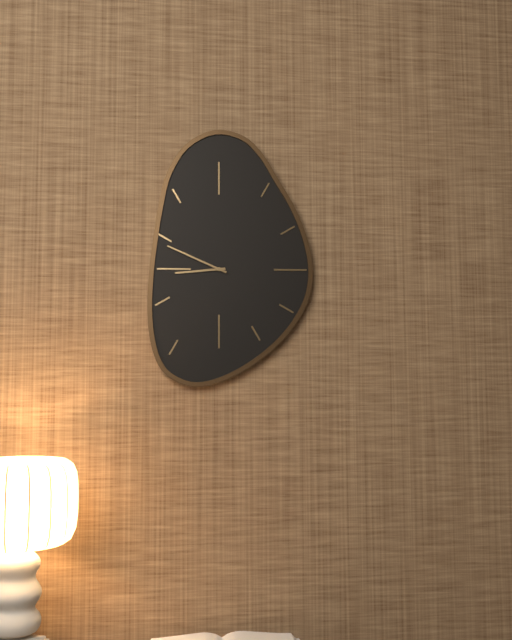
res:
h=8 m=49
